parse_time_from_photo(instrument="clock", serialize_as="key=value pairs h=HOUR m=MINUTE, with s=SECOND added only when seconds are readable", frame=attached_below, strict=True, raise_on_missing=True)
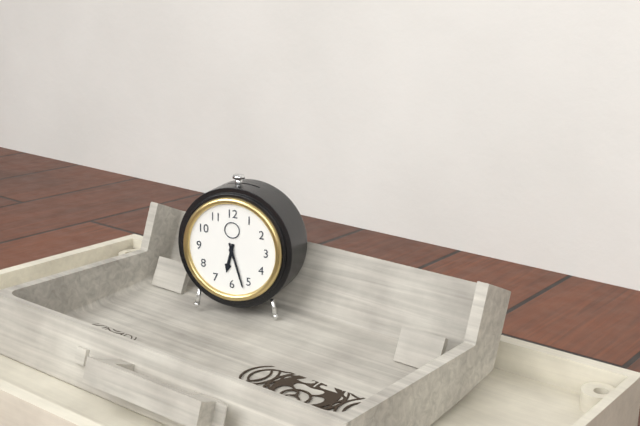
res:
h=6 m=27
